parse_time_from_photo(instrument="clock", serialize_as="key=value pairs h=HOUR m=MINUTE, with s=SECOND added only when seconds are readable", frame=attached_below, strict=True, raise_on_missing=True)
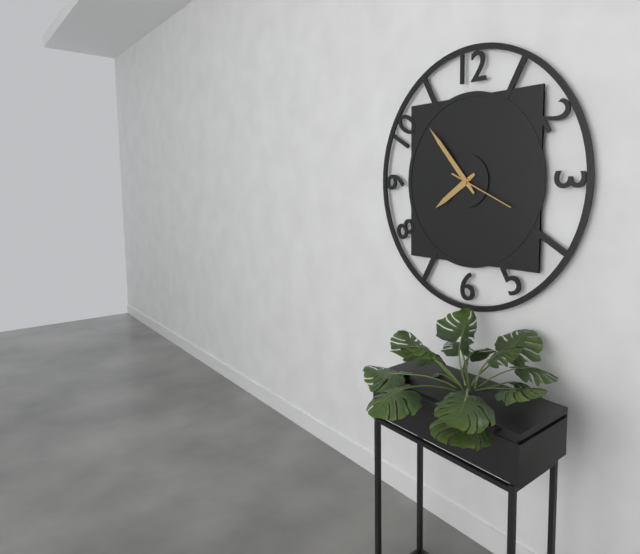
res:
h=7 m=53 s=19
